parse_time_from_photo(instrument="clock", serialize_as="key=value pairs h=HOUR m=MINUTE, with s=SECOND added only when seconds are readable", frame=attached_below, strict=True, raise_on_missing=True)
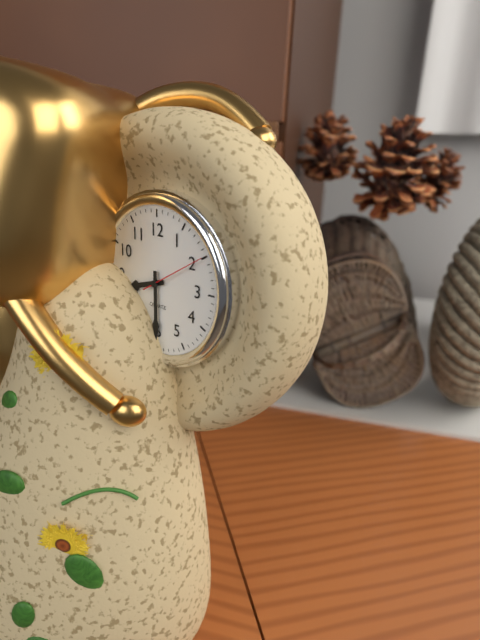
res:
h=8 m=30 s=10
